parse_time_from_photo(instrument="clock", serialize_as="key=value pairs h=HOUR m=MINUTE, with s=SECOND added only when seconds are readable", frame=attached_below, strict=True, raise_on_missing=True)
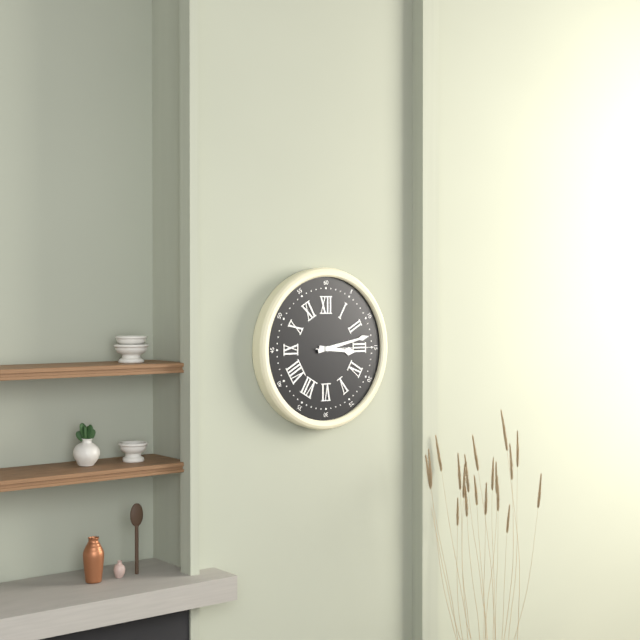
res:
h=3 m=13 s=15
